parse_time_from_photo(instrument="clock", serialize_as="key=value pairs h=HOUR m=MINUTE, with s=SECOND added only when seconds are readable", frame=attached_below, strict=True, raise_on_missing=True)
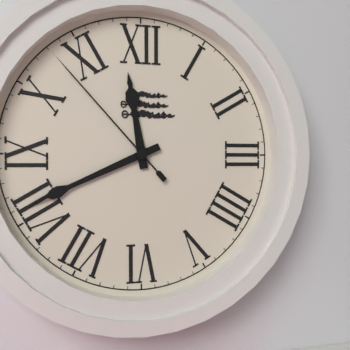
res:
h=11 m=41 s=53
